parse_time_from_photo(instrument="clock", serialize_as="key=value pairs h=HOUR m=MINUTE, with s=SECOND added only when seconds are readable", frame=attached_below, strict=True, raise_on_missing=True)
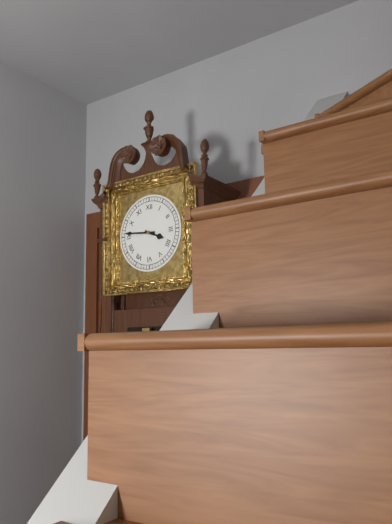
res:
h=3 m=46
